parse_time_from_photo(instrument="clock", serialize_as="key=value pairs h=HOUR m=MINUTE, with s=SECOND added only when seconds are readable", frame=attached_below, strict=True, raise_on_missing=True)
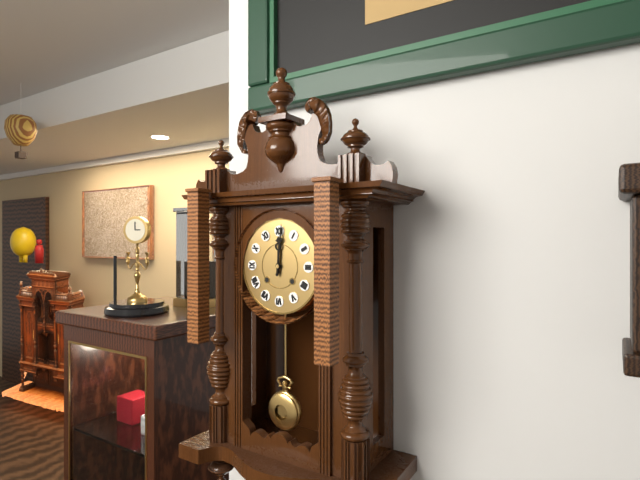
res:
h=12 m=1
